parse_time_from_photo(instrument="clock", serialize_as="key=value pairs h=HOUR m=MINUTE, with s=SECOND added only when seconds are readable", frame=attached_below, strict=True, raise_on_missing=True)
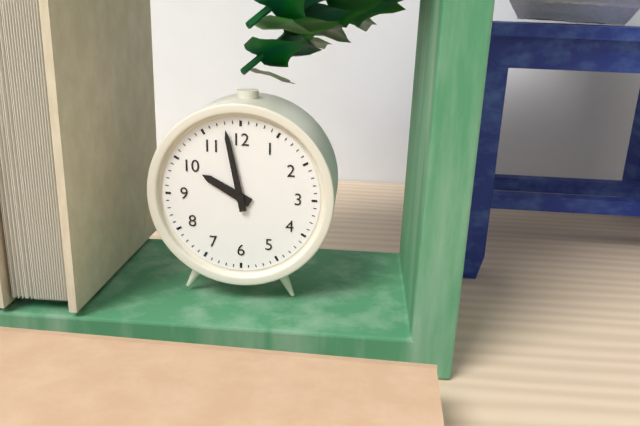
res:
h=9 m=58
